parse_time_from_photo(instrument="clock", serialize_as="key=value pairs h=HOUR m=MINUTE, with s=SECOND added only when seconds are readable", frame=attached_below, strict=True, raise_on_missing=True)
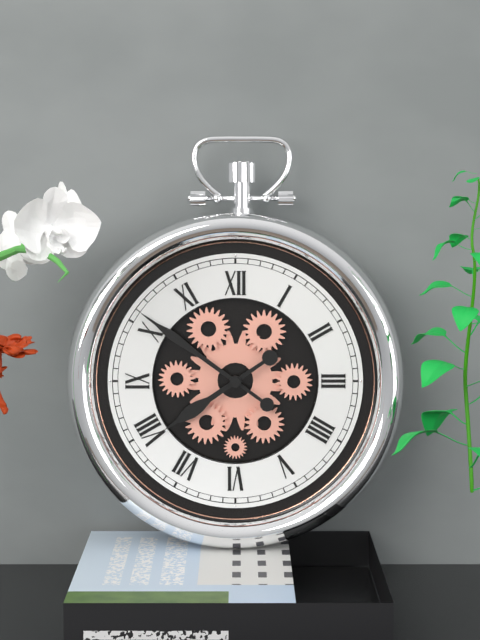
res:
h=7 m=51
